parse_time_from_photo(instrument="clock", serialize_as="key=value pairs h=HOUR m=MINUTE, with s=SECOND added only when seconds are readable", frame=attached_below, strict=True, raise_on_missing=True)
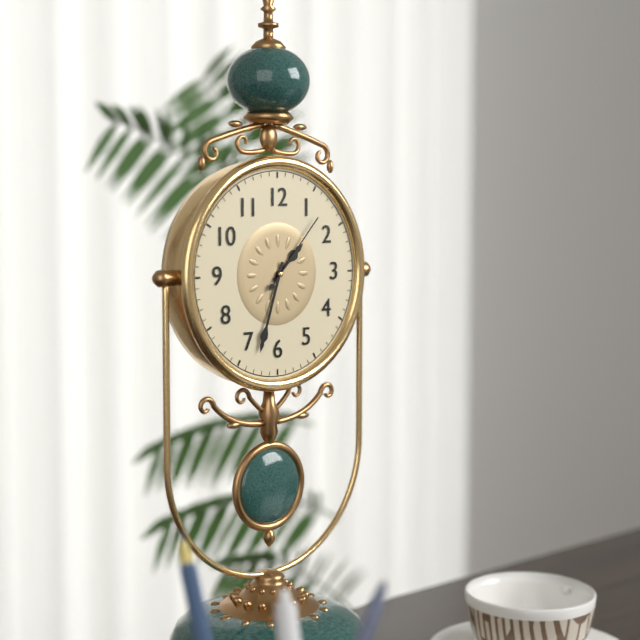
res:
h=1 m=33 s=7
